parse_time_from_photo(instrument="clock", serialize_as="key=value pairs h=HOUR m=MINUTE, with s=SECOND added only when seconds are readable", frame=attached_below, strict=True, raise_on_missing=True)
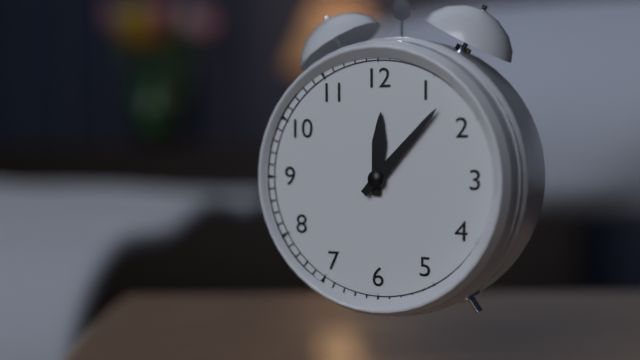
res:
h=12 m=7
